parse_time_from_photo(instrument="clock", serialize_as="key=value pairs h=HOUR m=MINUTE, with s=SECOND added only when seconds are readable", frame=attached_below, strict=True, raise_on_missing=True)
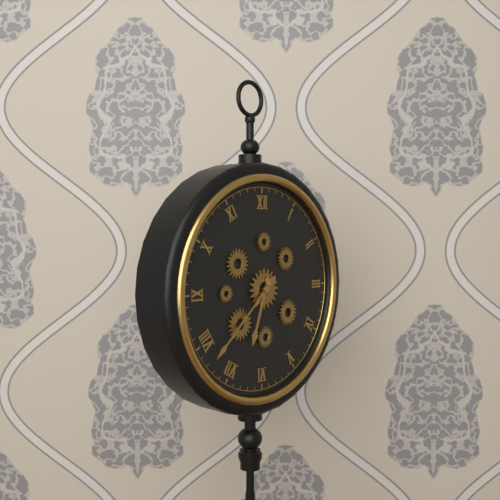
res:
h=6 m=38
